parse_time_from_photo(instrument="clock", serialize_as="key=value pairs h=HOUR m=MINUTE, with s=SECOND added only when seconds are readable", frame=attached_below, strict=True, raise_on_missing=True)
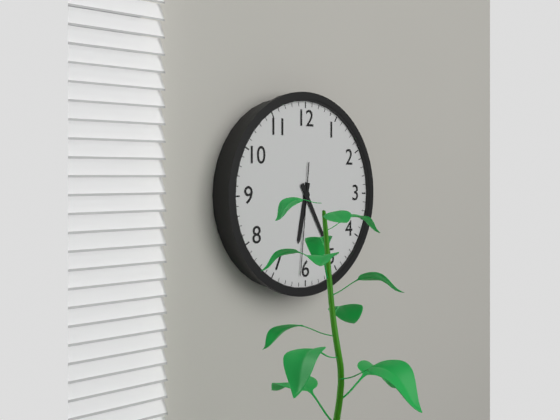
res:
h=6 m=25 s=31
